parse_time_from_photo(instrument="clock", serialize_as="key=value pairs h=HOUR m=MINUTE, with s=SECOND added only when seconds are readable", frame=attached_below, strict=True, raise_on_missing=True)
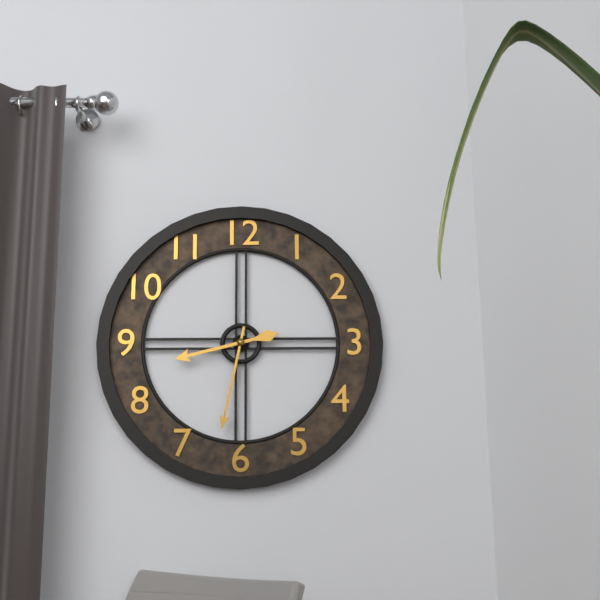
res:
h=8 m=32
